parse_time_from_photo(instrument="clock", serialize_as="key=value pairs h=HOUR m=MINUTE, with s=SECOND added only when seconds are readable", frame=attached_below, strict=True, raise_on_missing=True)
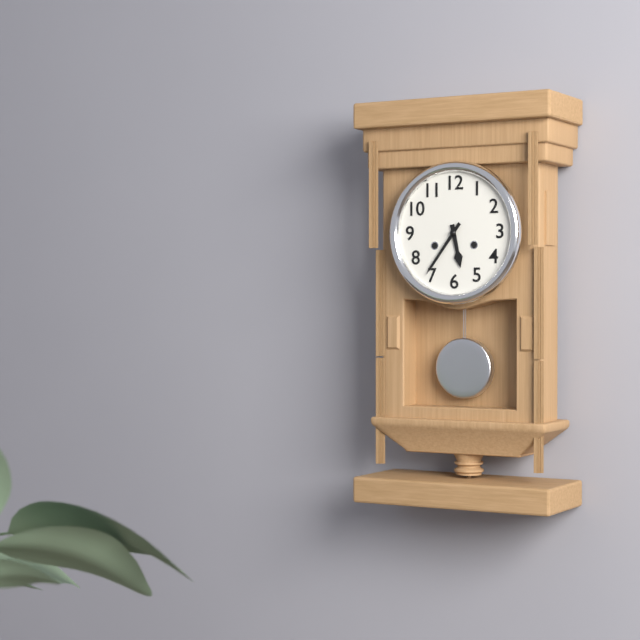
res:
h=5 m=36
